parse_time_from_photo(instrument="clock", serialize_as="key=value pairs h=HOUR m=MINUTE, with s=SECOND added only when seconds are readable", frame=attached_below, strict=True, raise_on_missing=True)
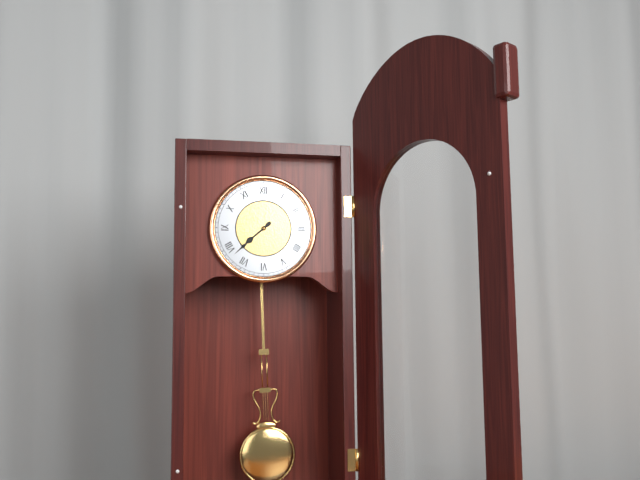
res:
h=7 m=38
